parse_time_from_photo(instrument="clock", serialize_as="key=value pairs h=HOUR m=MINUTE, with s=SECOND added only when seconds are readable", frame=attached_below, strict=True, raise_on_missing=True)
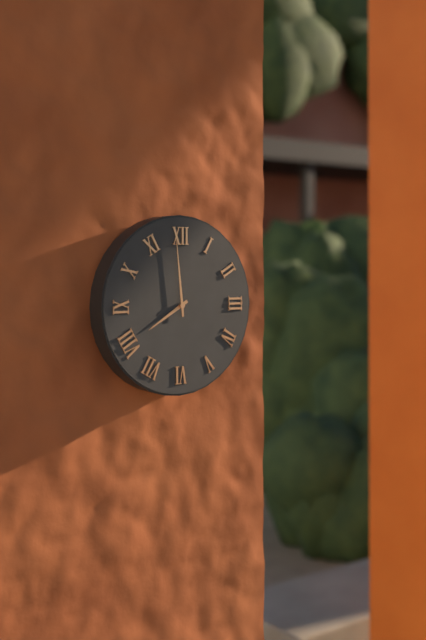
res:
h=7 m=59
